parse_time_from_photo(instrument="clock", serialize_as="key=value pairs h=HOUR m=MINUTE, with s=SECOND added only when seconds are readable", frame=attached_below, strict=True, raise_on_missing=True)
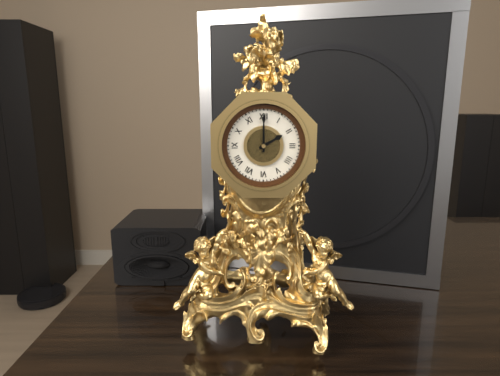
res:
h=2 m=0
